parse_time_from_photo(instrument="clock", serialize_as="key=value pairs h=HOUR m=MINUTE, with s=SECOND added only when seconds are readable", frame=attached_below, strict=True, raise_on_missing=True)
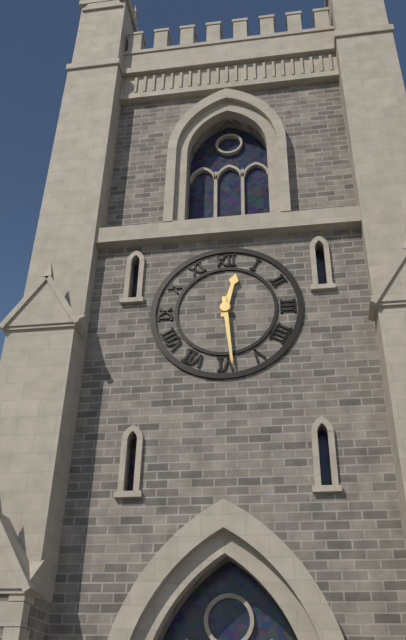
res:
h=12 m=29
